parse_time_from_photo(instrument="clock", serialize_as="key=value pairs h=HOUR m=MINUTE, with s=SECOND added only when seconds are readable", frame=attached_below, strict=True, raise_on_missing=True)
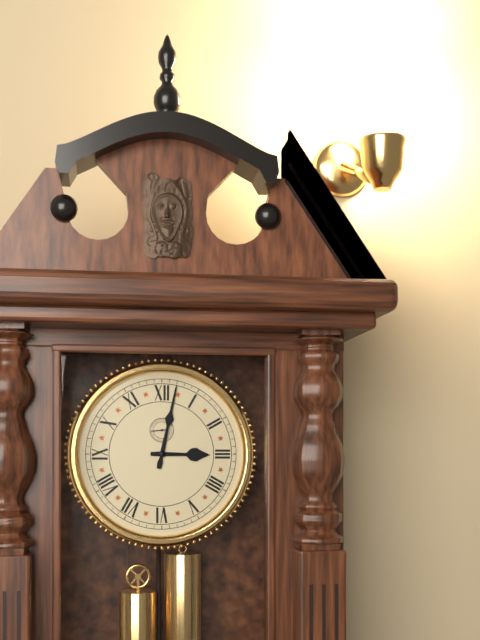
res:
h=3 m=2
